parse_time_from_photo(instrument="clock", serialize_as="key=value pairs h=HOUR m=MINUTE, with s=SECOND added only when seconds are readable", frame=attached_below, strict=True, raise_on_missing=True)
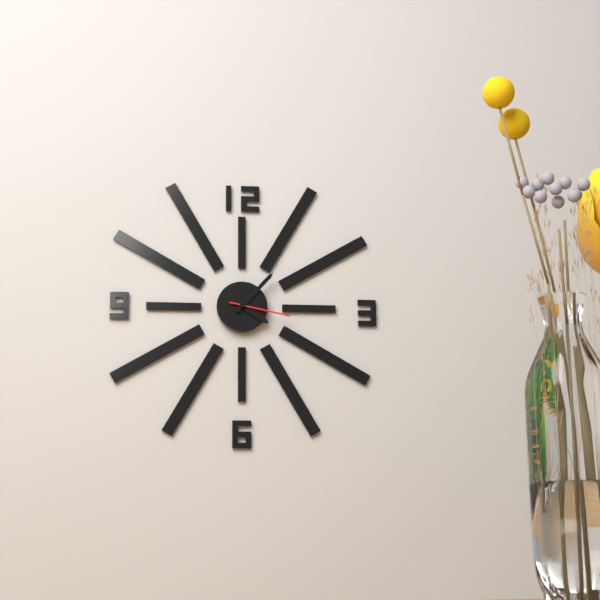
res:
h=4 m=7 s=17
